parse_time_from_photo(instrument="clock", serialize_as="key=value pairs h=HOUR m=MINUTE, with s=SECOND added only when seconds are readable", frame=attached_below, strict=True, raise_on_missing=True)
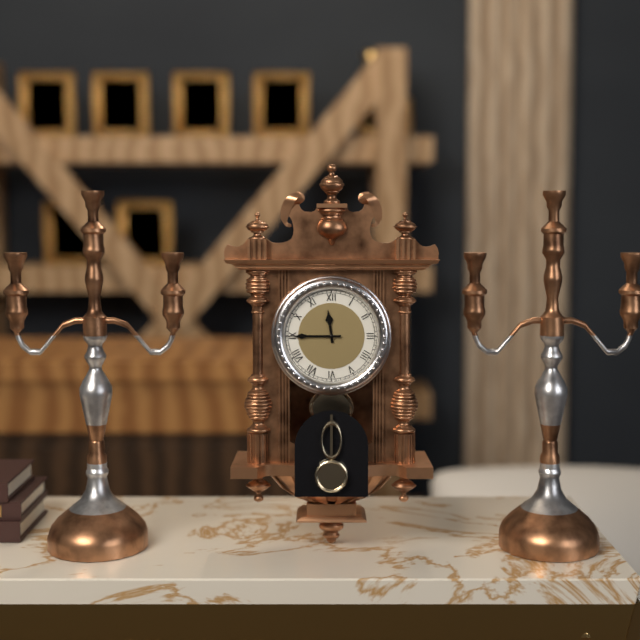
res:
h=11 m=45
